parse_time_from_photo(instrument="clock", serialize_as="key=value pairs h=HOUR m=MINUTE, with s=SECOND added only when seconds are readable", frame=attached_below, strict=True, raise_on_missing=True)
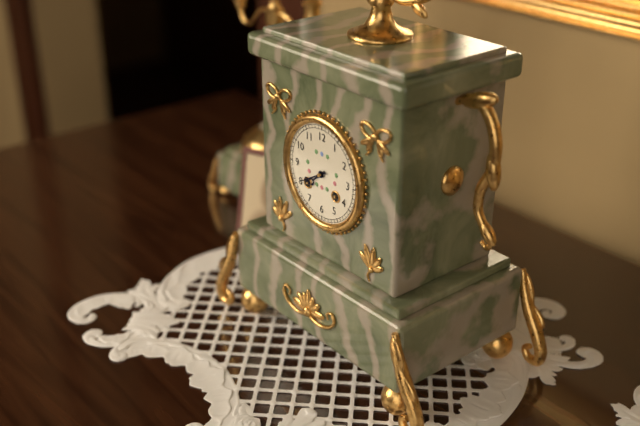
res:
h=7 m=40
